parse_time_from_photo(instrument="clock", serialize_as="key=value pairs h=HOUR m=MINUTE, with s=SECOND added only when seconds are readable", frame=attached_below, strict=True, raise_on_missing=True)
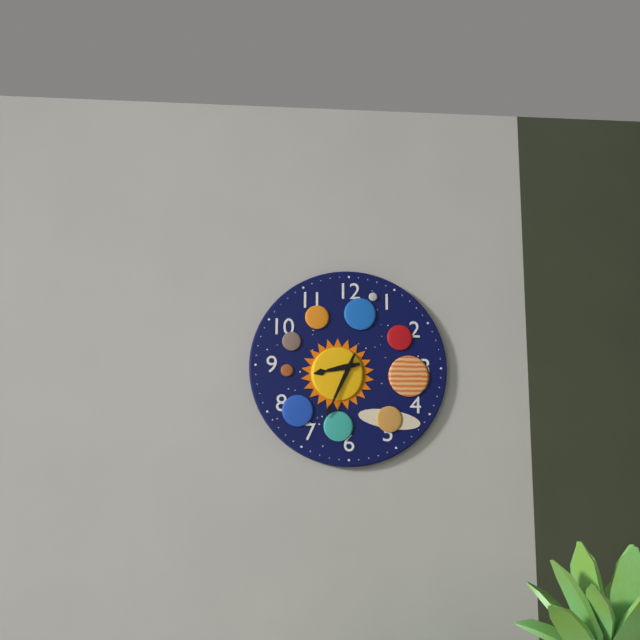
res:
h=8 m=34
